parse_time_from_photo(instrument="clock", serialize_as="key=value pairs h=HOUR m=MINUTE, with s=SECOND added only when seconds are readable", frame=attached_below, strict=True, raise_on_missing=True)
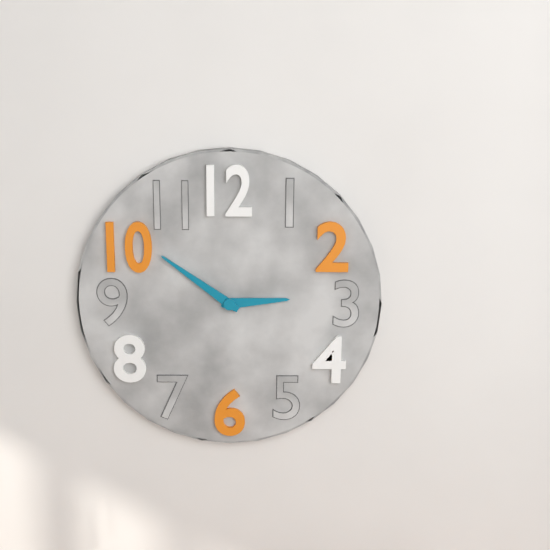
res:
h=2 m=51
